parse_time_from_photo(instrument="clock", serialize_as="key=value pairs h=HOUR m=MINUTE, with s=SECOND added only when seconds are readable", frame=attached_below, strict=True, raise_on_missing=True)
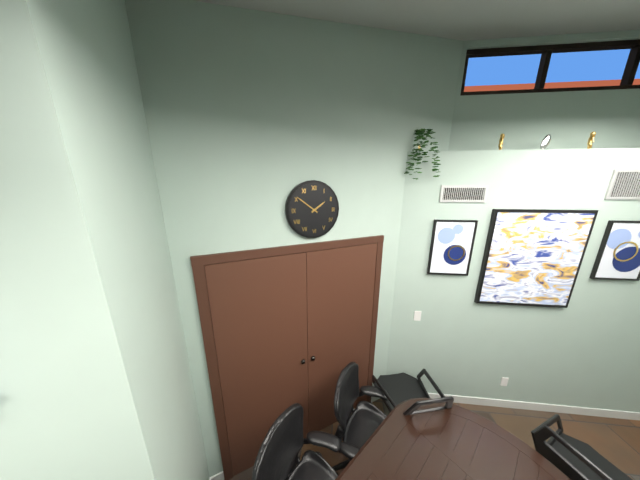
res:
h=1 m=51
